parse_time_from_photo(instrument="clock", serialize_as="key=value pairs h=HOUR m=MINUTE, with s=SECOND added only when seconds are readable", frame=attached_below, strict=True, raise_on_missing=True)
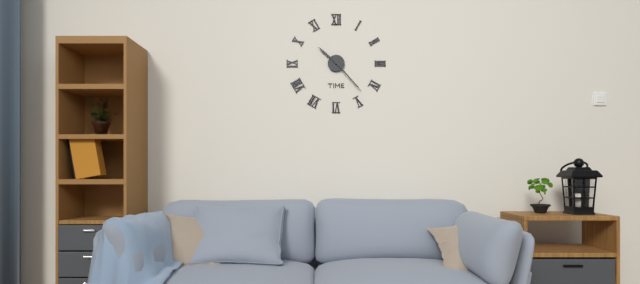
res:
h=10 m=23
